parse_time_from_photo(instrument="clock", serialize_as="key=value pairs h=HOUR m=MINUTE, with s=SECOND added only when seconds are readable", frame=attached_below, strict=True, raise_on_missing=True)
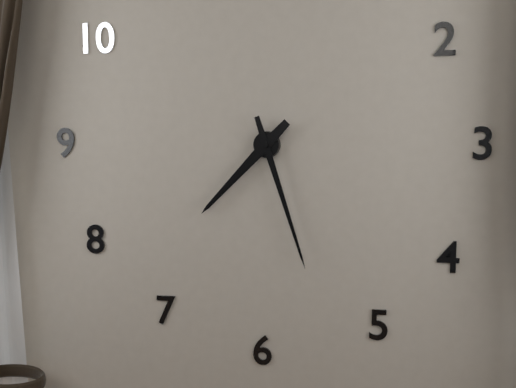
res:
h=7 m=27
